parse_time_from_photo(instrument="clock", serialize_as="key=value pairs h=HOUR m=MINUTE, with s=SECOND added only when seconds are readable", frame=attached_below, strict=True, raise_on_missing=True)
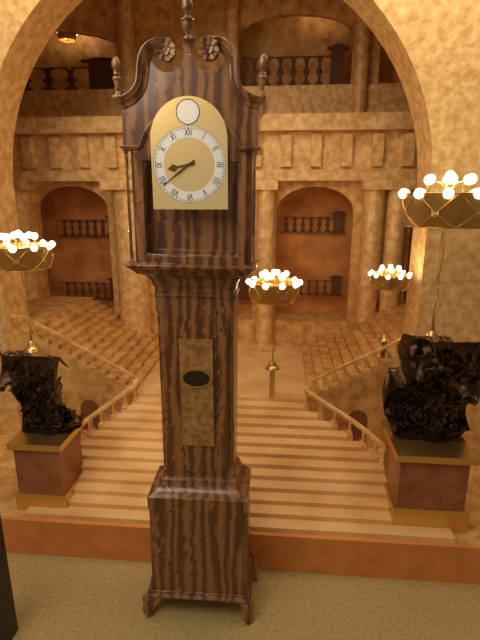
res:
h=8 m=39
